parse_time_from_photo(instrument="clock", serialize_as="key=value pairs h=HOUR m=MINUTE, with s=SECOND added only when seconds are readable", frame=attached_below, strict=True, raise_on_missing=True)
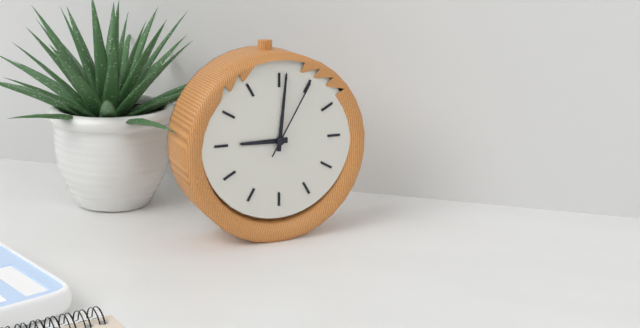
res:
h=9 m=1 s=5
